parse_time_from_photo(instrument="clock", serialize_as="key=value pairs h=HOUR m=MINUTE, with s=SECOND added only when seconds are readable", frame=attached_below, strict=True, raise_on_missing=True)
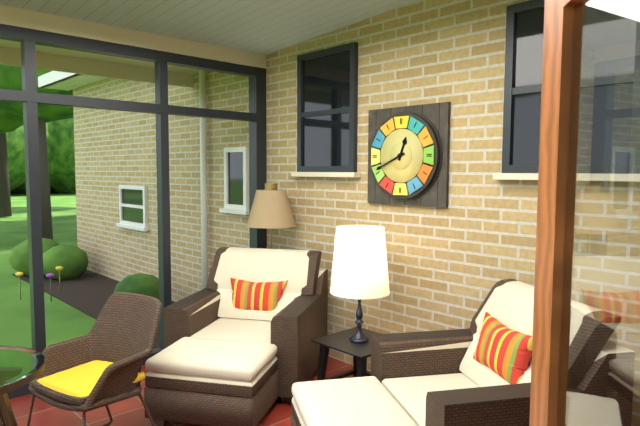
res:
h=12 m=41
